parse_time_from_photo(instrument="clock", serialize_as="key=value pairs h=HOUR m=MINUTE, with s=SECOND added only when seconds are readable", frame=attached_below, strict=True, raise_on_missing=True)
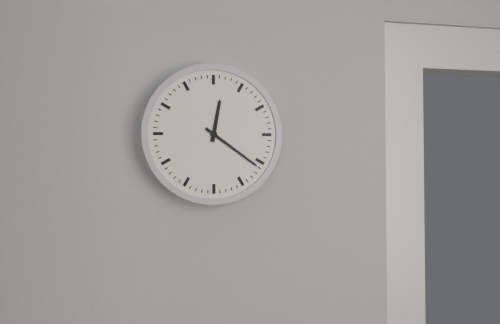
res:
h=12 m=21
